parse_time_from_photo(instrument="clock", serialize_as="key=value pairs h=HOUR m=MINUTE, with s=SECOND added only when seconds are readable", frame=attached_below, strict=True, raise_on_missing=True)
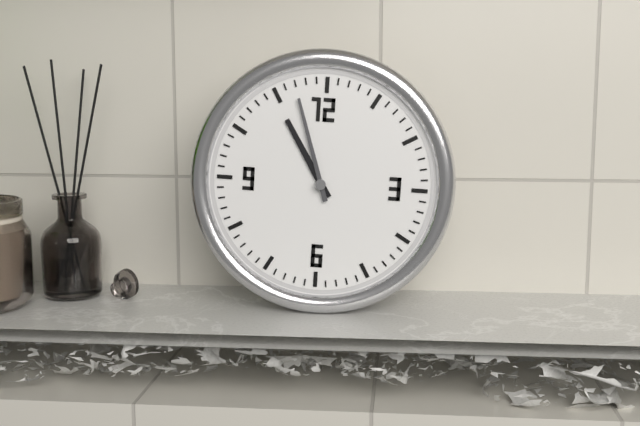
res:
h=10 m=57
